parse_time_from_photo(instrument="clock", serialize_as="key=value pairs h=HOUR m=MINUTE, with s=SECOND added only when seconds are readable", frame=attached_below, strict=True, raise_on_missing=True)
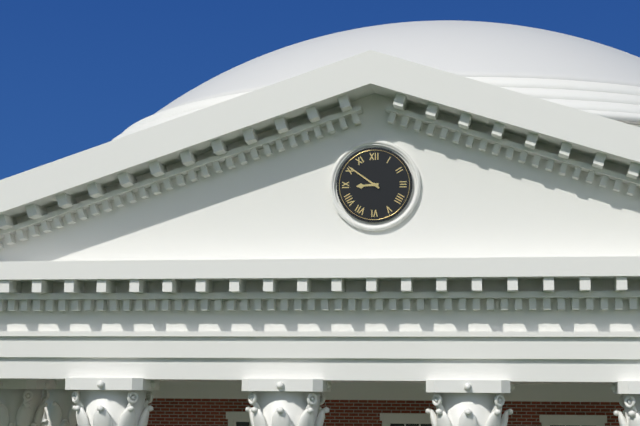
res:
h=8 m=51
